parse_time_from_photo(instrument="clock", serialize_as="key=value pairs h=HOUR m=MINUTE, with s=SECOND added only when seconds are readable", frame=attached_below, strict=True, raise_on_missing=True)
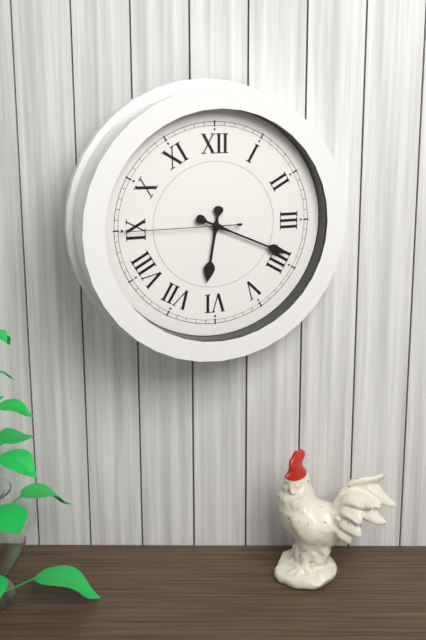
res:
h=6 m=19 s=45
